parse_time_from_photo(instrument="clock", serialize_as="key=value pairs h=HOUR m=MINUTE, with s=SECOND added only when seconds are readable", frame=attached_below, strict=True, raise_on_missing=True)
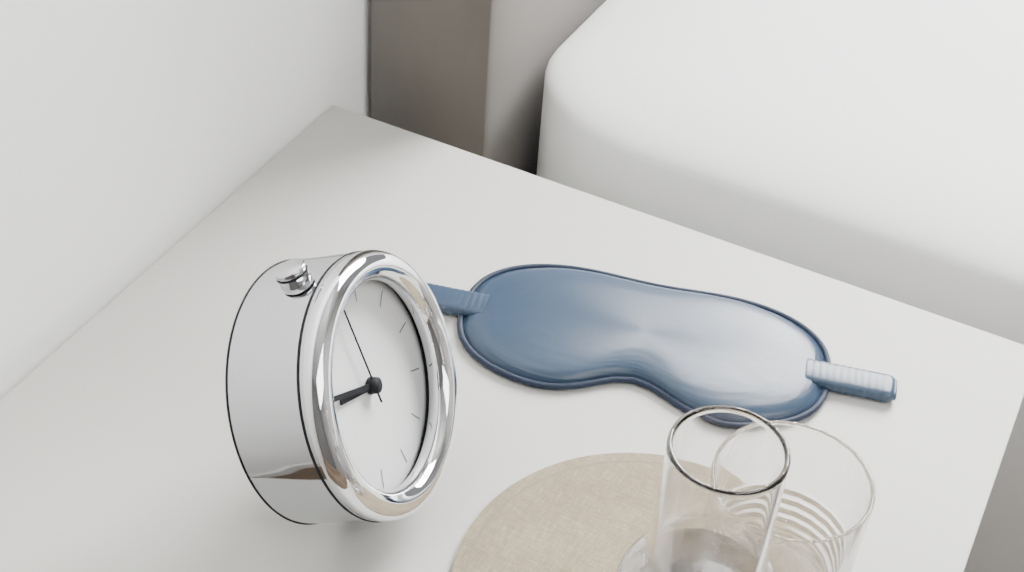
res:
h=9 m=50 s=1
